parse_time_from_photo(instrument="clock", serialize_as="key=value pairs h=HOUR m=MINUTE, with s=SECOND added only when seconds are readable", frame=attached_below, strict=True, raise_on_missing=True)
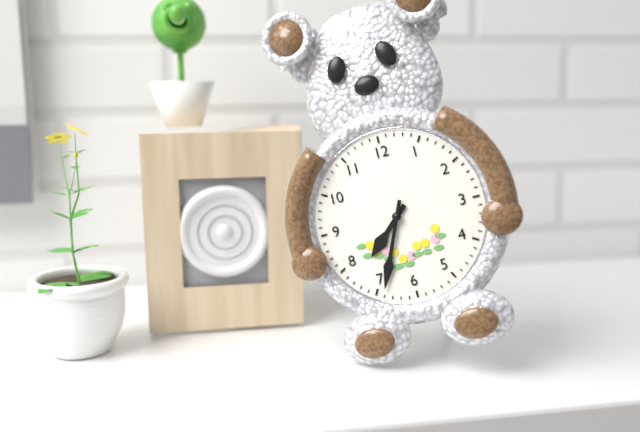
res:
h=7 m=34
